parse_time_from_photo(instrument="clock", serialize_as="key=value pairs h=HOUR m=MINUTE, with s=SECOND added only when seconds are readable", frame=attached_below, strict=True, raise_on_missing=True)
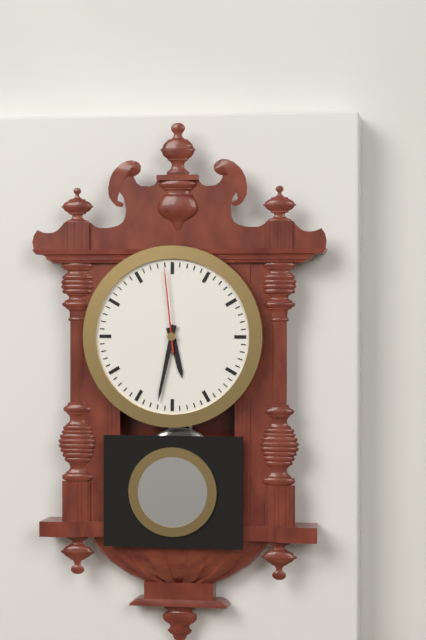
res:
h=5 m=32 s=59
